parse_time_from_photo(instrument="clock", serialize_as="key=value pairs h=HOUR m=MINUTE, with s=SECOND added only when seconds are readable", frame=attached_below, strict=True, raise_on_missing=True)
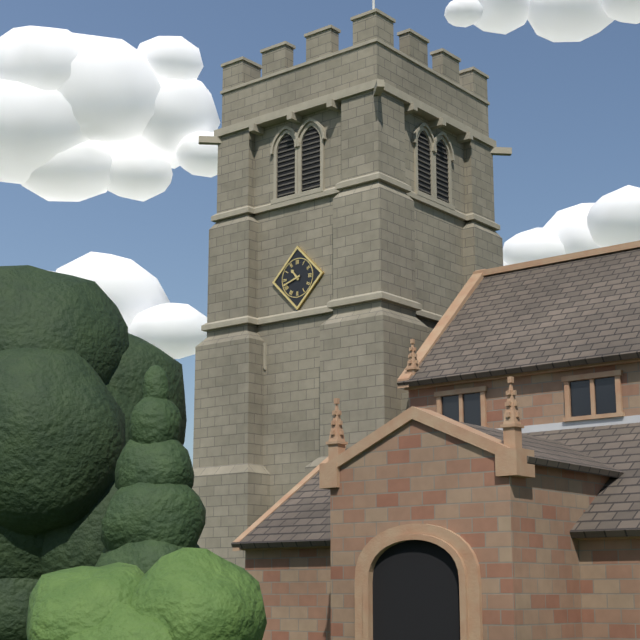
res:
h=10 m=42
